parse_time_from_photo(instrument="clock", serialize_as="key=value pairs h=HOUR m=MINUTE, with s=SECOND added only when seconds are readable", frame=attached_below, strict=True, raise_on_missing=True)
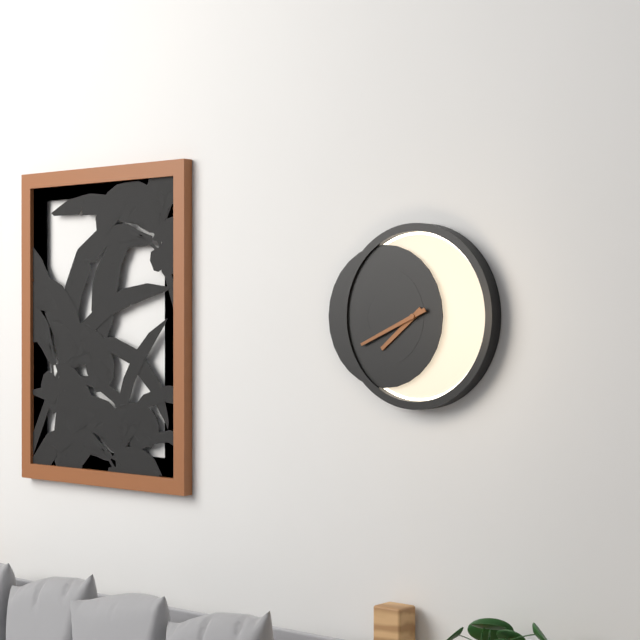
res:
h=7 m=41
